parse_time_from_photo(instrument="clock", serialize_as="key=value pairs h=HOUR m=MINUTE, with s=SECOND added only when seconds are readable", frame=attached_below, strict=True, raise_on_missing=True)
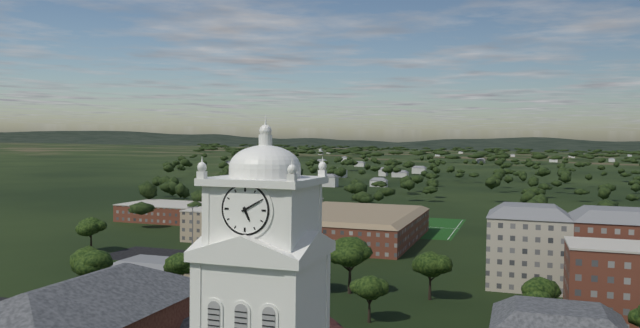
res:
h=5 m=10
